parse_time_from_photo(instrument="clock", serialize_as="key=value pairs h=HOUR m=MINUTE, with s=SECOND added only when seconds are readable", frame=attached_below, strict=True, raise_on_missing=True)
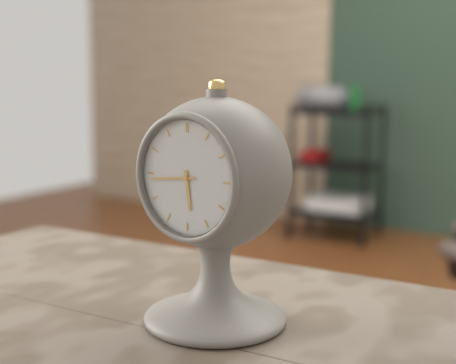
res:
h=5 m=44
